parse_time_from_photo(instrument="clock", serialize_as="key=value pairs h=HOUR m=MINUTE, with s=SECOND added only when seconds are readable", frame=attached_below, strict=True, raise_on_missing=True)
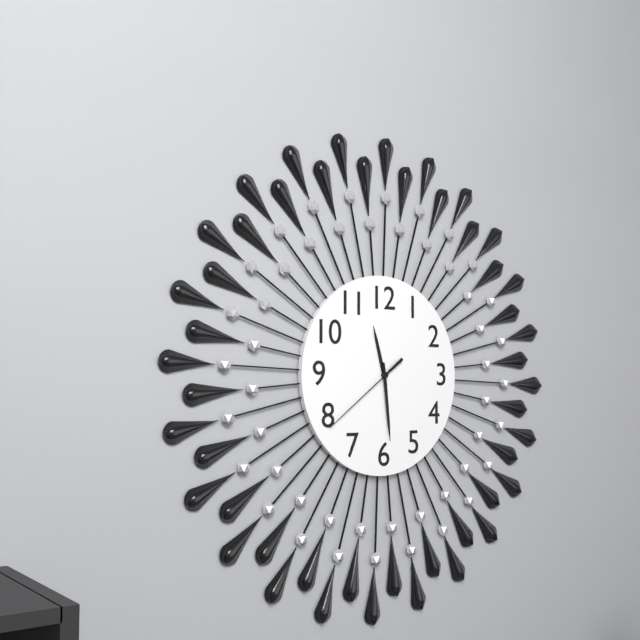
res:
h=11 m=29 s=39
